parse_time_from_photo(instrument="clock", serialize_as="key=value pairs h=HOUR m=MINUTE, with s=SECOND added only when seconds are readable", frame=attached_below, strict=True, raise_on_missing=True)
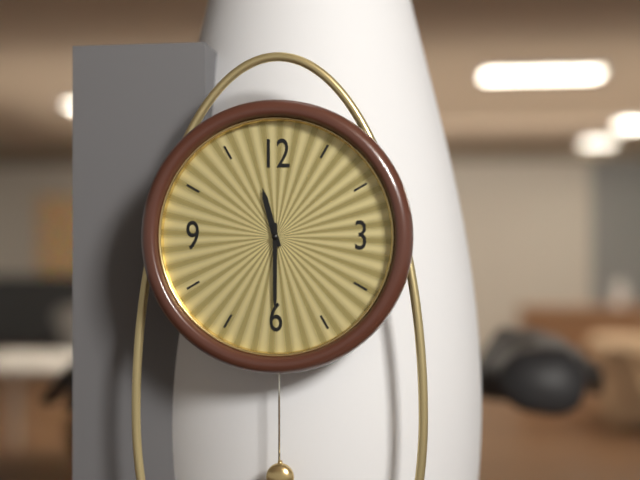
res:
h=11 m=30
